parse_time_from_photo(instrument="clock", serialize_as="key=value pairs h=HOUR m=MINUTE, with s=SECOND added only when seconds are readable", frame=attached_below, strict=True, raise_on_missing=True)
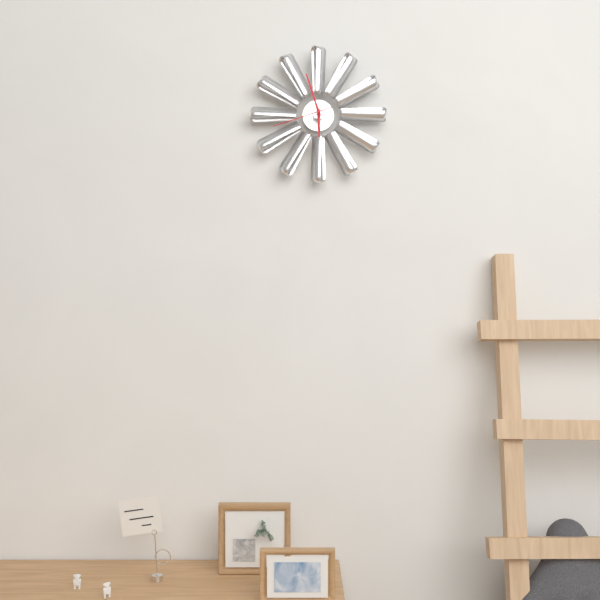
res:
h=5 m=57 s=42
